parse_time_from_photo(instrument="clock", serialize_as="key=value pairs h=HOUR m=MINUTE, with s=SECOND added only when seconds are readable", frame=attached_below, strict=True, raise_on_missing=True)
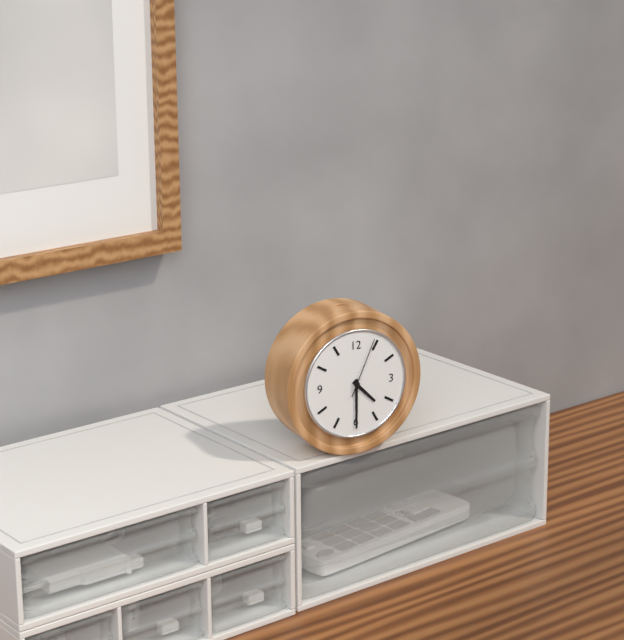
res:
h=4 m=30 s=4
